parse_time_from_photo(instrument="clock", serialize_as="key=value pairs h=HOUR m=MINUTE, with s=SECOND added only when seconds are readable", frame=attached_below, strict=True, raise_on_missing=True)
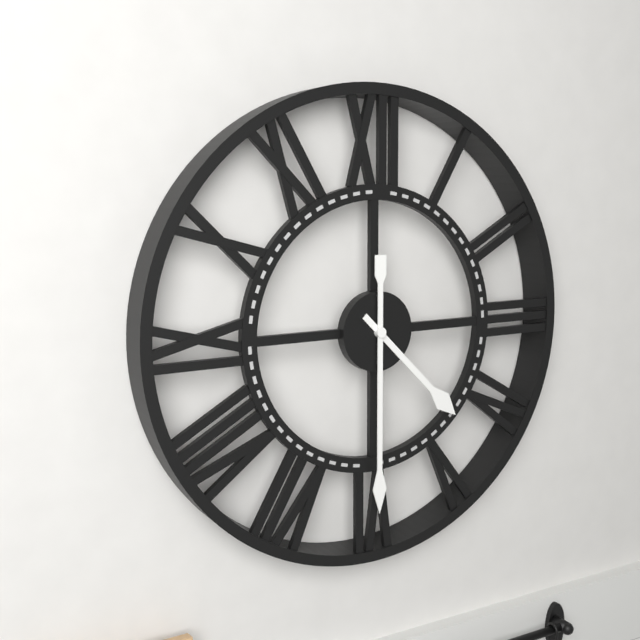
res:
h=4 m=30
